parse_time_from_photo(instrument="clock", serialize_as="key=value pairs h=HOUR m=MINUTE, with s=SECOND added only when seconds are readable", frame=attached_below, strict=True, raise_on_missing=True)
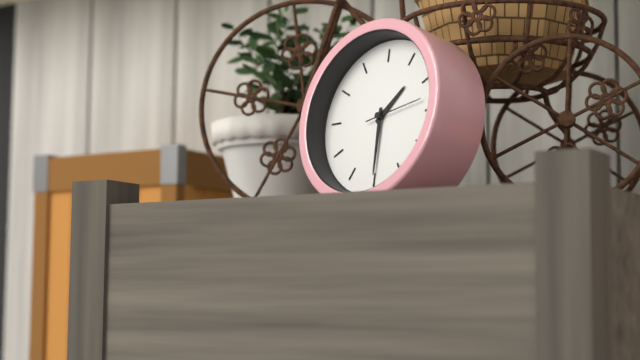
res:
h=1 m=30
